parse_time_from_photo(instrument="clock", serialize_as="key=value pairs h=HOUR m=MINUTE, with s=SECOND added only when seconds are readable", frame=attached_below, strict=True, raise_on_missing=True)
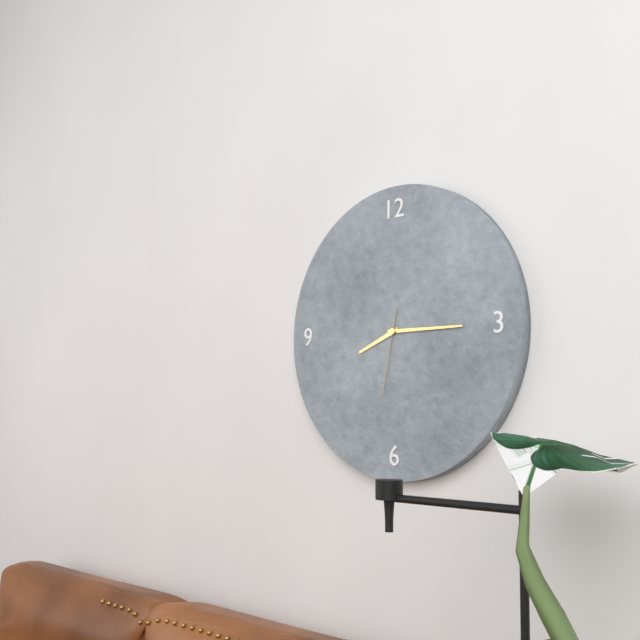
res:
h=8 m=15 s=32
